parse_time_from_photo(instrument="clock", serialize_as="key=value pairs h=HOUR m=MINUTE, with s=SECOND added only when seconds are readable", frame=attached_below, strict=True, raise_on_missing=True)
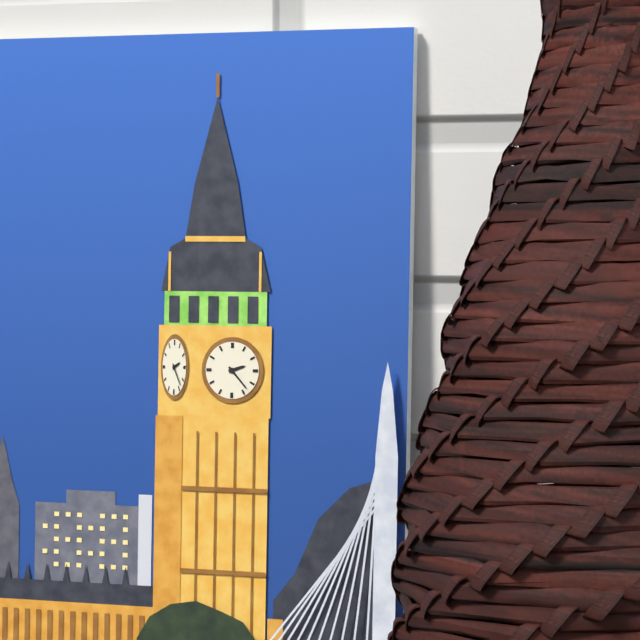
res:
h=2 m=23
